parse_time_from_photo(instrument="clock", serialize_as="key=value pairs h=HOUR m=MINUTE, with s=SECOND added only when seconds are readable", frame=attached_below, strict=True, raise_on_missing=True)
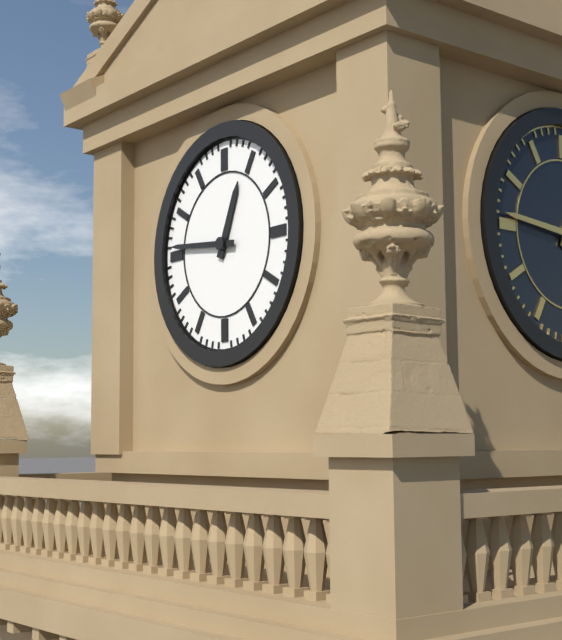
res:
h=12 m=46
